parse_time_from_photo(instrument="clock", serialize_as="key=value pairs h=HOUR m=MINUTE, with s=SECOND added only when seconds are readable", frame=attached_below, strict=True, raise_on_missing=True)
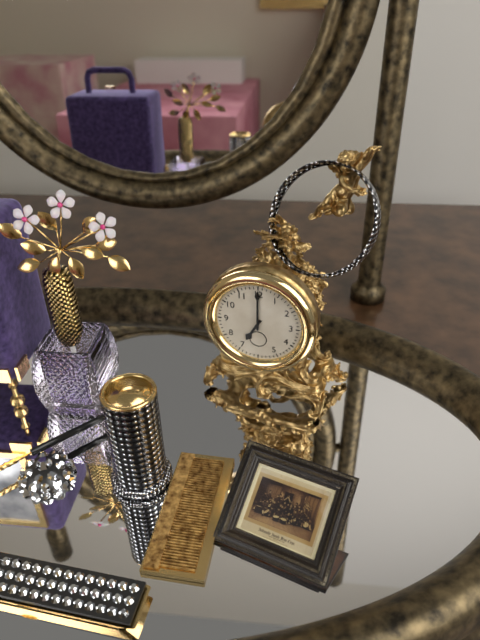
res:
h=7 m=0
